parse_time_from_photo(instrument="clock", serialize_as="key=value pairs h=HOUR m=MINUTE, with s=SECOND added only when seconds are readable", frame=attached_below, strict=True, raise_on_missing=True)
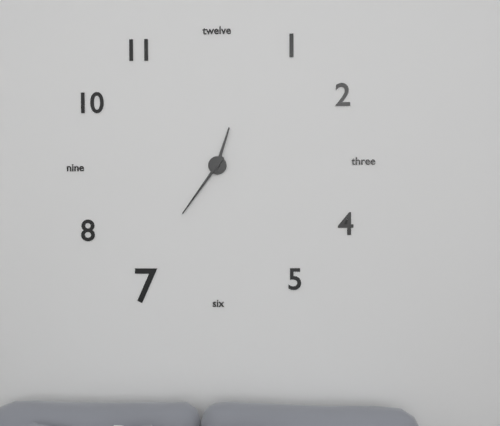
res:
h=12 m=36
